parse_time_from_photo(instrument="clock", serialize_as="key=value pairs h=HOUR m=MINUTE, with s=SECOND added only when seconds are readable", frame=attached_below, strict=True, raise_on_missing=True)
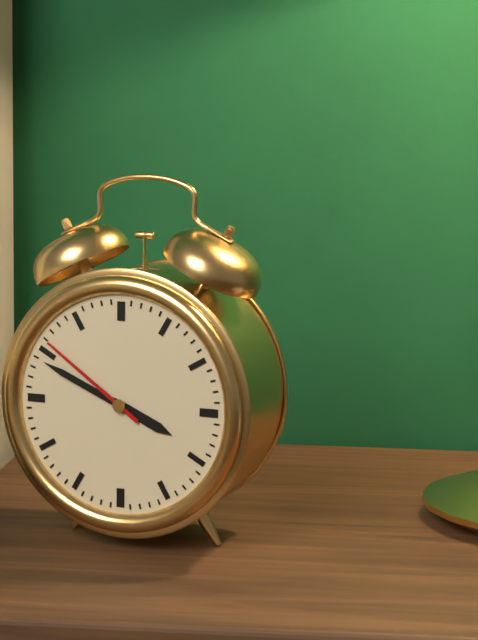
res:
h=3 m=49 s=51
